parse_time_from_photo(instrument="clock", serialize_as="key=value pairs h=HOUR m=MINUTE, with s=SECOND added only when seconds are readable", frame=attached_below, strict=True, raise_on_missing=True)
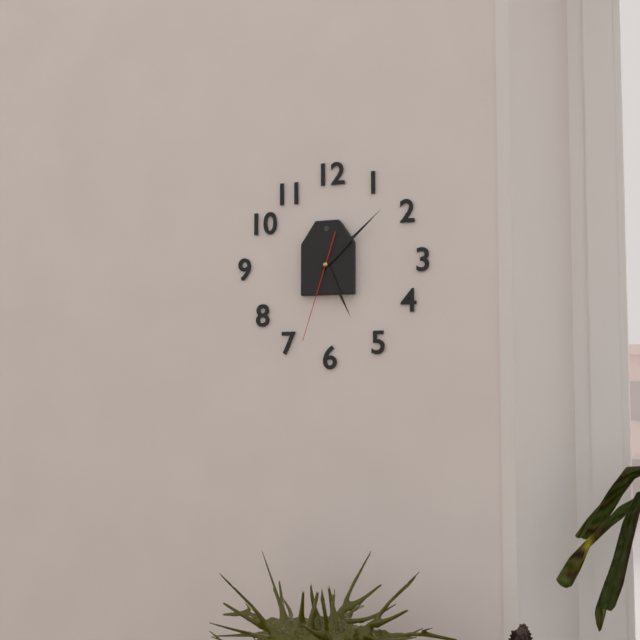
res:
h=5 m=8 s=33
